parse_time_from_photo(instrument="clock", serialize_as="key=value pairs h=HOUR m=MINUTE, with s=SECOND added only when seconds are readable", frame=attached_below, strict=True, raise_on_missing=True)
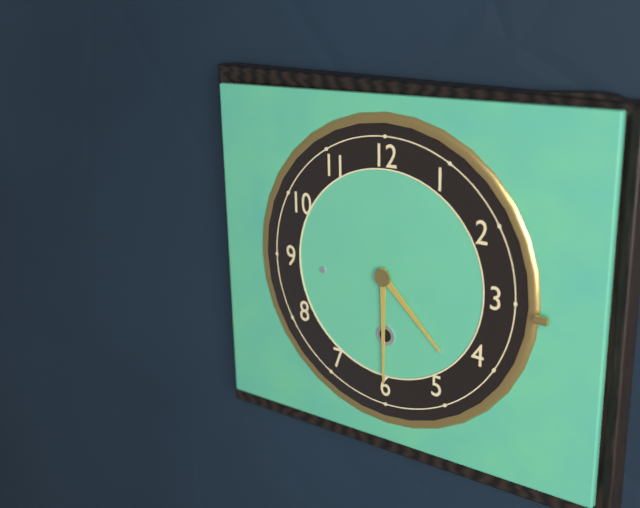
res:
h=4 m=30
